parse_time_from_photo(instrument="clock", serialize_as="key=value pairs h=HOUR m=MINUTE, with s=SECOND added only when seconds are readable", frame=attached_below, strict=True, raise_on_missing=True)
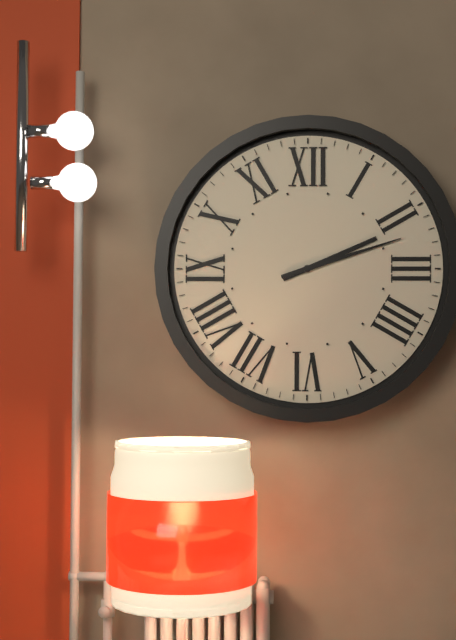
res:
h=2 m=12
